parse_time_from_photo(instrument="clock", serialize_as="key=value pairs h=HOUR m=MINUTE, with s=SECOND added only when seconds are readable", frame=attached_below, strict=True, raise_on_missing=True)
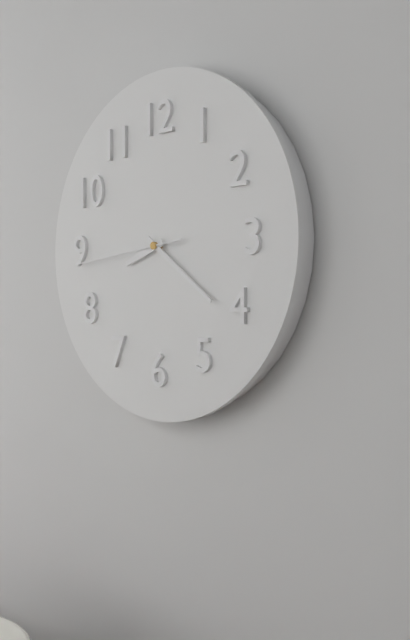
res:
h=8 m=21 s=44
